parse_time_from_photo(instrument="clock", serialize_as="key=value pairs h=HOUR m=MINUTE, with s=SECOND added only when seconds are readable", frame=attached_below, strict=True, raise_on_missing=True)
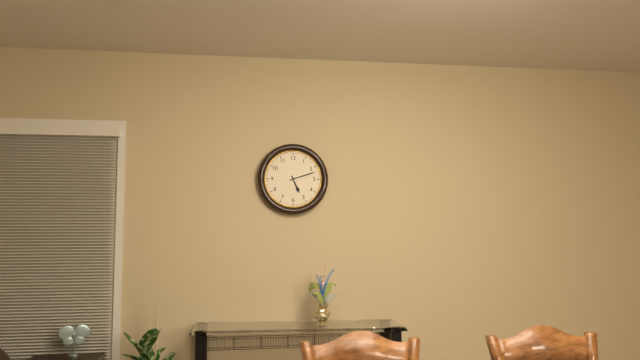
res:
h=5 m=12
